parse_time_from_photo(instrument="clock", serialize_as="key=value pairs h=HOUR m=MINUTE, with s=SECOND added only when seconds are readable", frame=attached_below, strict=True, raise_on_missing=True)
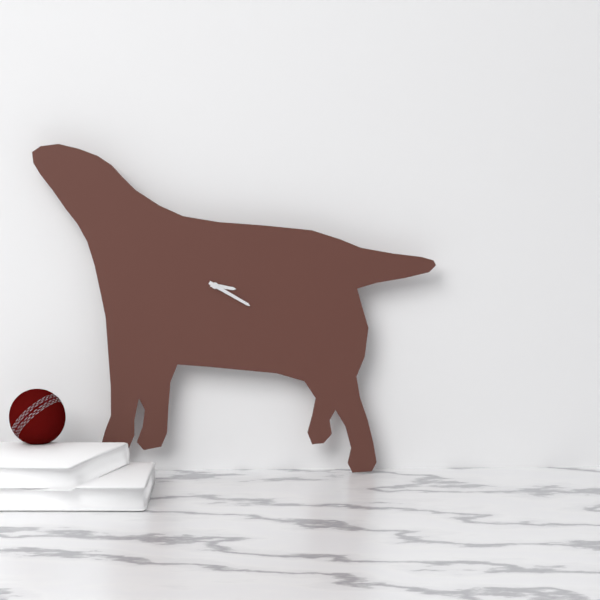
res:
h=3 m=20
